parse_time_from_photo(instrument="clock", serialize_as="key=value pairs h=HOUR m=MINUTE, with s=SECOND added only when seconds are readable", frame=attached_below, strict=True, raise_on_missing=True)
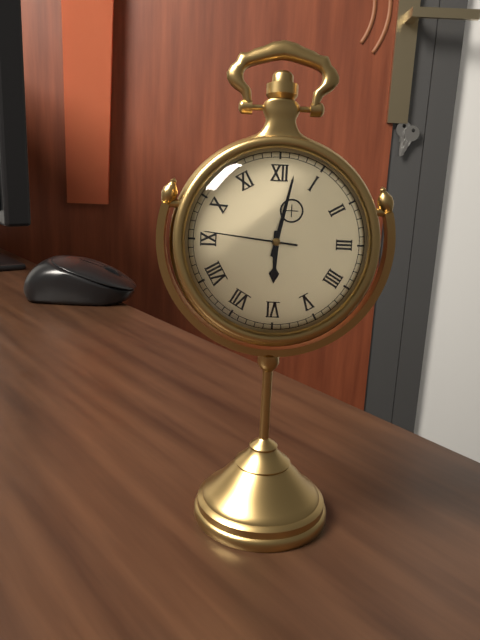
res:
h=6 m=2 s=46
